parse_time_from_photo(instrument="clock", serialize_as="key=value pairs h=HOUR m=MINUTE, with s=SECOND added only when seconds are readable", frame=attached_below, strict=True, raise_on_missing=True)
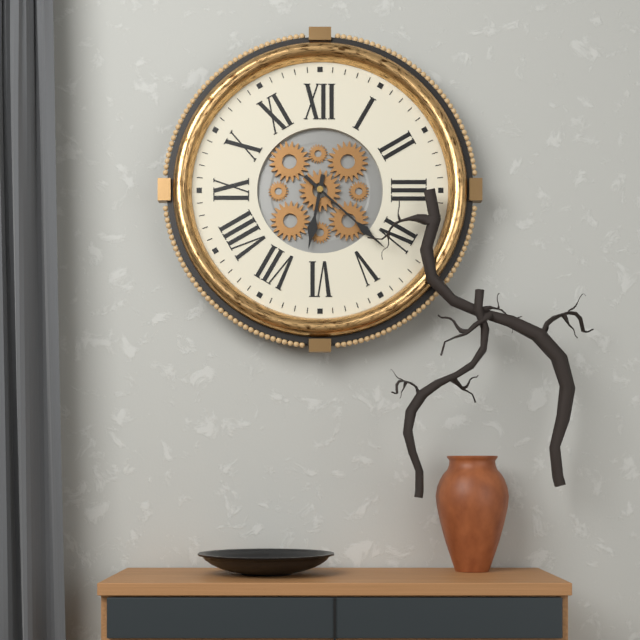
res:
h=6 m=22
